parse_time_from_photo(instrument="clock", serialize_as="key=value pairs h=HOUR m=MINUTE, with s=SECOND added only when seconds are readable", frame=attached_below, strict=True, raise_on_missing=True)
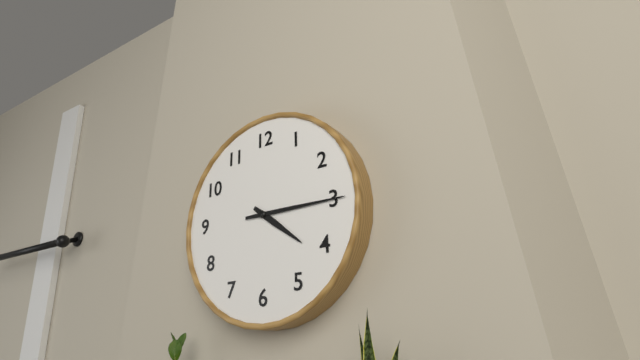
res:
h=4 m=15
